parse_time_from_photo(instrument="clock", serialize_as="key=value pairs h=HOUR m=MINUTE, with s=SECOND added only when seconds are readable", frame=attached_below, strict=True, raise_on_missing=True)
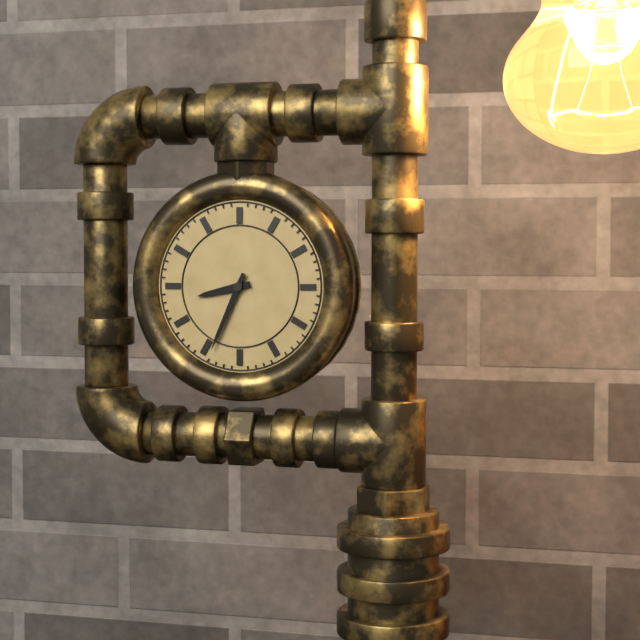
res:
h=8 m=34
